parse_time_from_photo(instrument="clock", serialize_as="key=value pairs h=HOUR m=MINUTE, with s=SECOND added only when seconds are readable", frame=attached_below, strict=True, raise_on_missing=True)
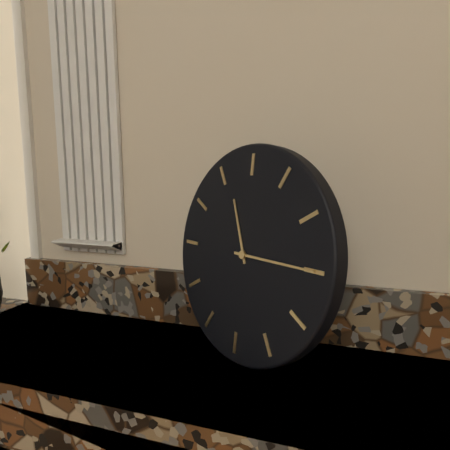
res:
h=11 m=15
